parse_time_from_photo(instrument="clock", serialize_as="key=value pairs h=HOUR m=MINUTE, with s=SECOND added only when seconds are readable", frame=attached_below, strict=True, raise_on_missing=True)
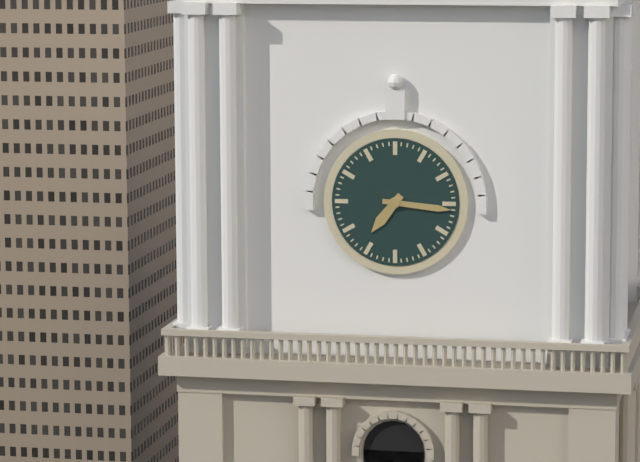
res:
h=7 m=16
